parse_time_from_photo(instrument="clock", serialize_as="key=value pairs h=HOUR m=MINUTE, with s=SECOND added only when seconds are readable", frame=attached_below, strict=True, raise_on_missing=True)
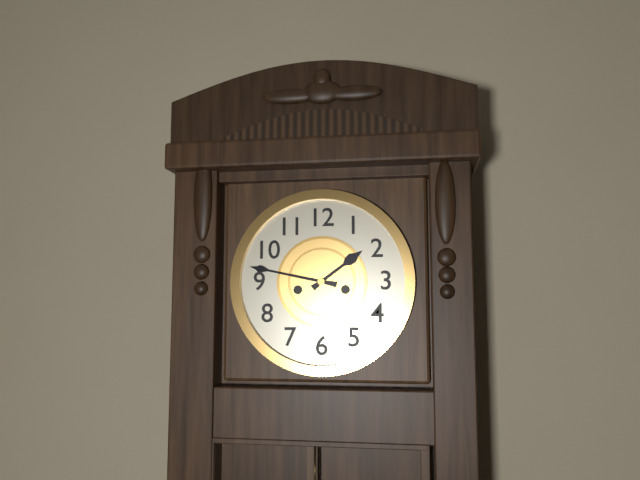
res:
h=1 m=47
